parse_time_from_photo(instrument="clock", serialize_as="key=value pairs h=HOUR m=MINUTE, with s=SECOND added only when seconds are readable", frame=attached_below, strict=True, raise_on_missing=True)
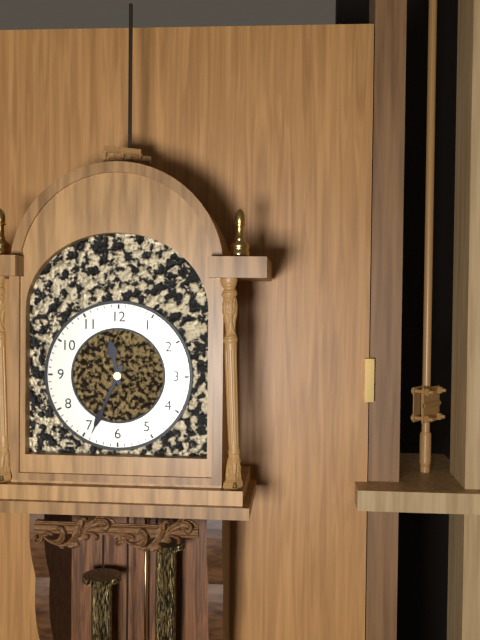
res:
h=11 m=34
